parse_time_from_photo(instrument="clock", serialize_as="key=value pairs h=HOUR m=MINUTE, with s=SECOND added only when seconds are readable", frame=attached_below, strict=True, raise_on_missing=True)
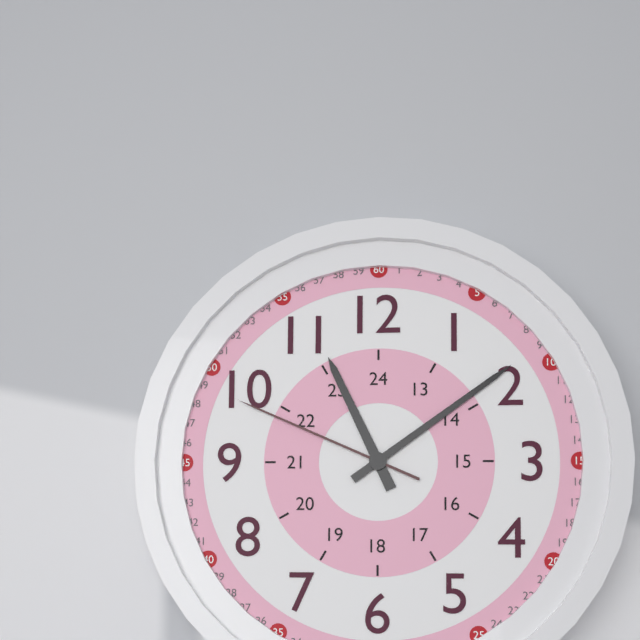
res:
h=11 m=9 s=49
